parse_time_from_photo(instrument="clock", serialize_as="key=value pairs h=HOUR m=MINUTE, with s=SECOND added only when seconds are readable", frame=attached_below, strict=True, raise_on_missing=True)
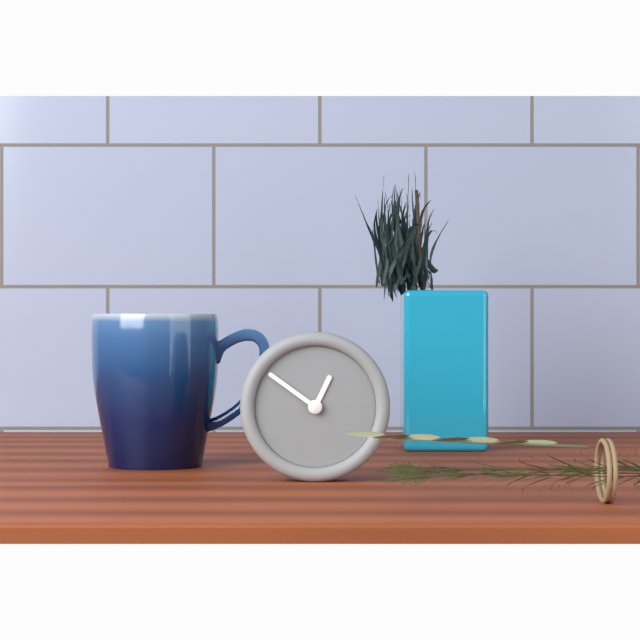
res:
h=12 m=51
